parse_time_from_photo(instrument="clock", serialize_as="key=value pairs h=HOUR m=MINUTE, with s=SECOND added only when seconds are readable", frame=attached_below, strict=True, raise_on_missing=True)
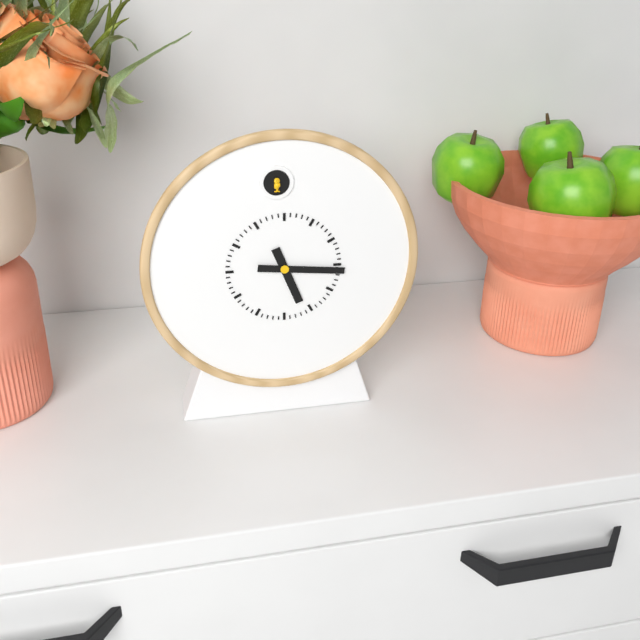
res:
h=5 m=16
